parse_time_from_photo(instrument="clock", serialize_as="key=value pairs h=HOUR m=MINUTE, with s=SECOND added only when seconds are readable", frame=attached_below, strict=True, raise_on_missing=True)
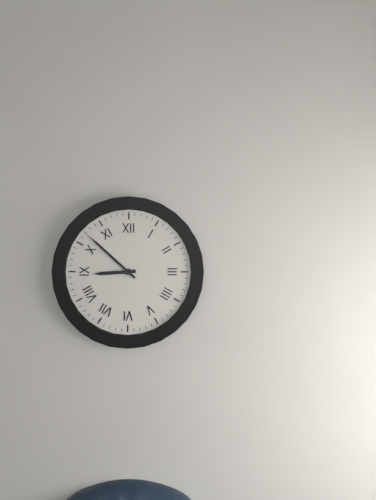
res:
h=8 m=52
